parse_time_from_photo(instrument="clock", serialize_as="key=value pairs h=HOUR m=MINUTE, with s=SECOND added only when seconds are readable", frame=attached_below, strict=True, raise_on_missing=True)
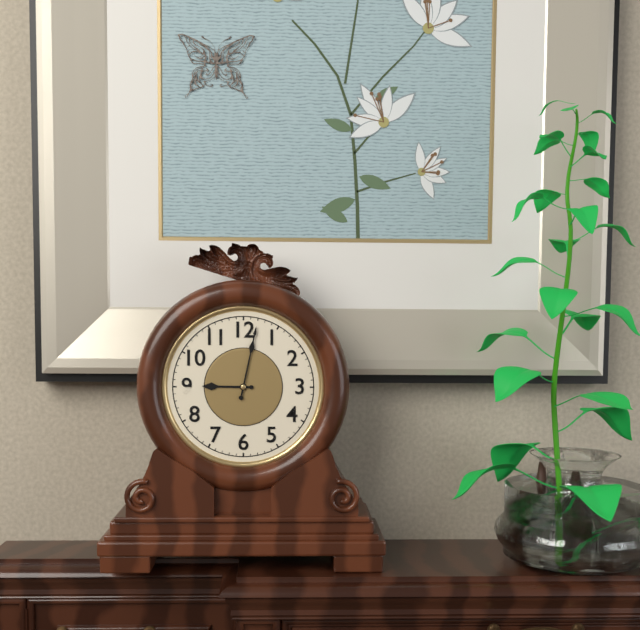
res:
h=9 m=2
